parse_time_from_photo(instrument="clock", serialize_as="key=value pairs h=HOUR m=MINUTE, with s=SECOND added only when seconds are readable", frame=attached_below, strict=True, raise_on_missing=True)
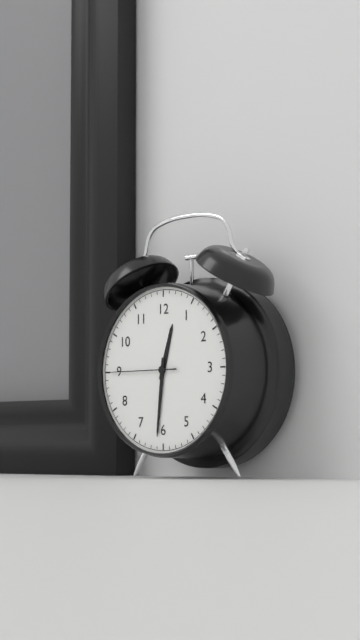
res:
h=12 m=31 s=45
